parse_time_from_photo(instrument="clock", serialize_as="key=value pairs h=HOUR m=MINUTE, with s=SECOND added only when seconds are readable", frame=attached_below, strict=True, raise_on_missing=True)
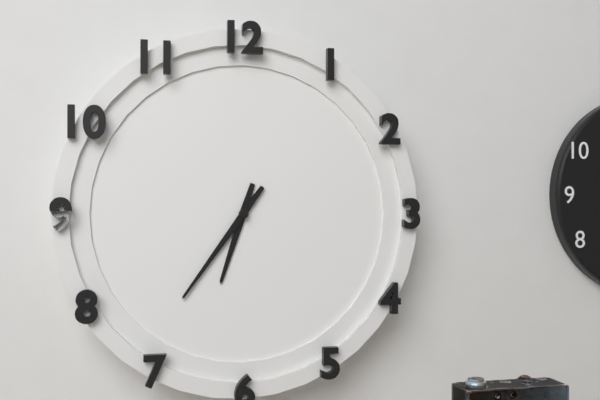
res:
h=6 m=36
